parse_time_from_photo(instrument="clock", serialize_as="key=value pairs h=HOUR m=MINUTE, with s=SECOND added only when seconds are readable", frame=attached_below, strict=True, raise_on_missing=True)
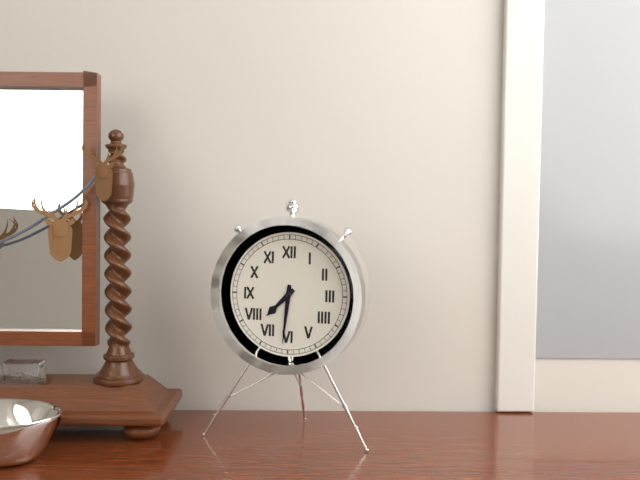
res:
h=7 m=31
